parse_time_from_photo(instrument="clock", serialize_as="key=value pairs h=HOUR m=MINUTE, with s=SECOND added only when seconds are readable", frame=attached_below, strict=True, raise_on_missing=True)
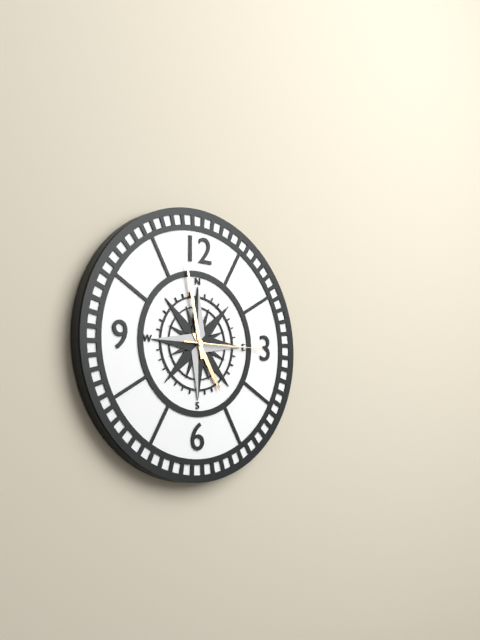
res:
h=4 m=58 s=15
